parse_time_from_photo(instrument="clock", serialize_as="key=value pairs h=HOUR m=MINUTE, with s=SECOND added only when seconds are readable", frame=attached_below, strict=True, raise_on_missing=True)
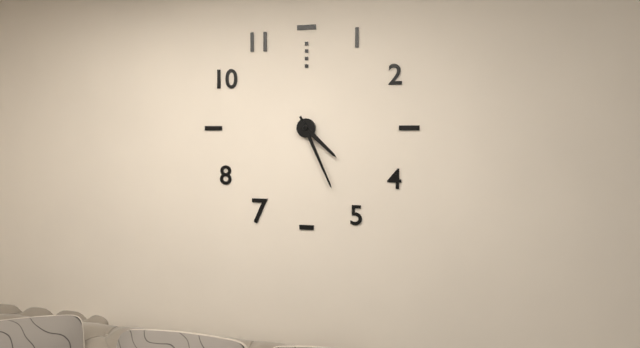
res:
h=4 m=26
